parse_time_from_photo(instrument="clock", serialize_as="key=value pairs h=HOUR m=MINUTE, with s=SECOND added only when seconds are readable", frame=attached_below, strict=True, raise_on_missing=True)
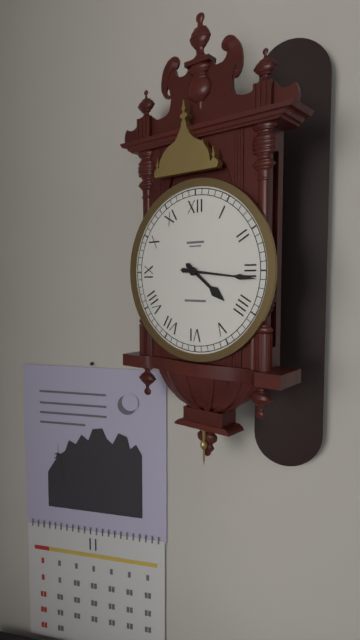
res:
h=4 m=16
